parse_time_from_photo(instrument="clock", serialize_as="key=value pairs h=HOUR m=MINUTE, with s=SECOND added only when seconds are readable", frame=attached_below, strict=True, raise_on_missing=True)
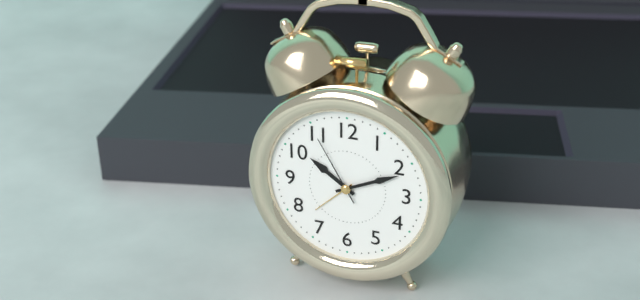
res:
h=10 m=11 s=55
